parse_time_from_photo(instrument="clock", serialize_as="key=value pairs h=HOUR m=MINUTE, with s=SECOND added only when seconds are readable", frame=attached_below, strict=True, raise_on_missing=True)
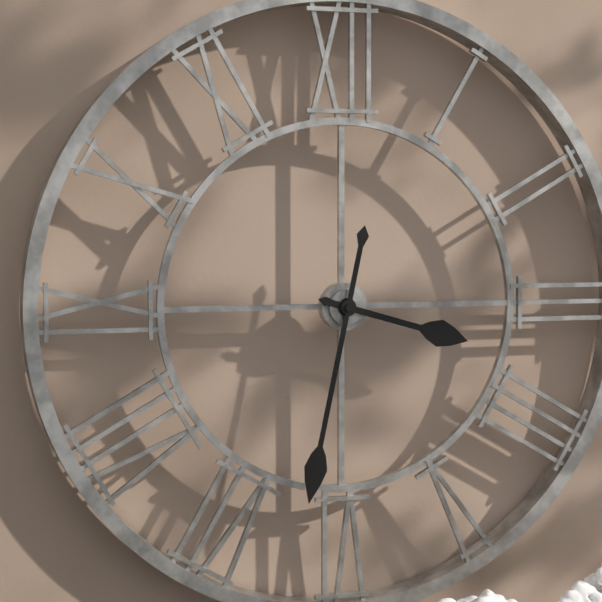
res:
h=3 m=32
